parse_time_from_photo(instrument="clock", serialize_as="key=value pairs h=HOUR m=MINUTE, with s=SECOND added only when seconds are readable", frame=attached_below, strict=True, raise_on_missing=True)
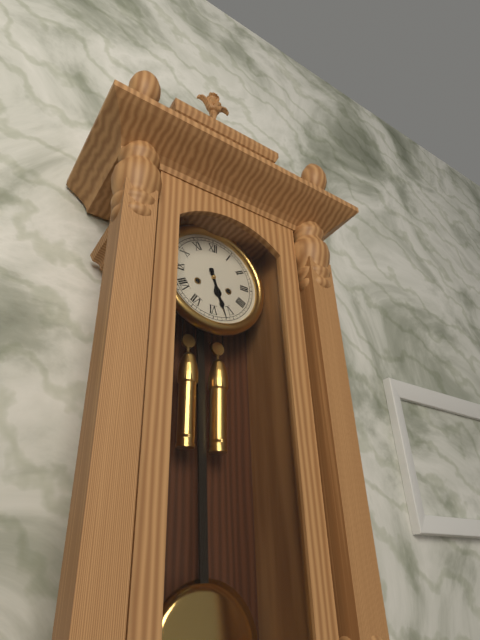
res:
h=5 m=27
